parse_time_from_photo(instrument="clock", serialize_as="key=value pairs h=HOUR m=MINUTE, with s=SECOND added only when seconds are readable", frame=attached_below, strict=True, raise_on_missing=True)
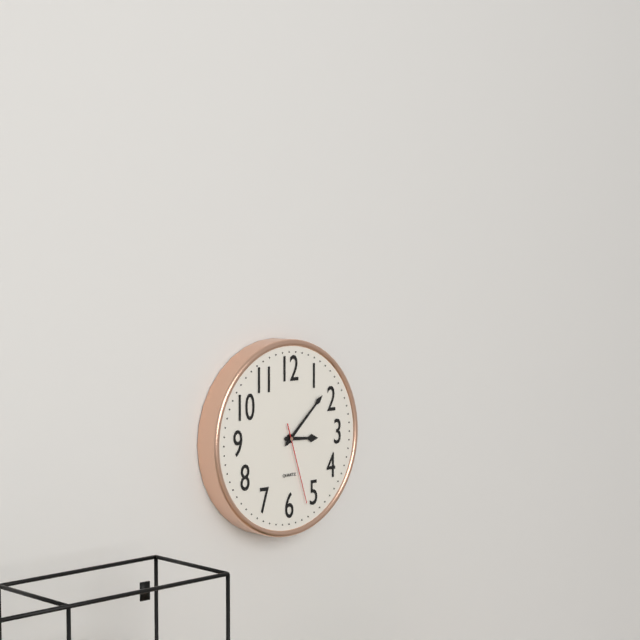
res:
h=3 m=8 s=27
